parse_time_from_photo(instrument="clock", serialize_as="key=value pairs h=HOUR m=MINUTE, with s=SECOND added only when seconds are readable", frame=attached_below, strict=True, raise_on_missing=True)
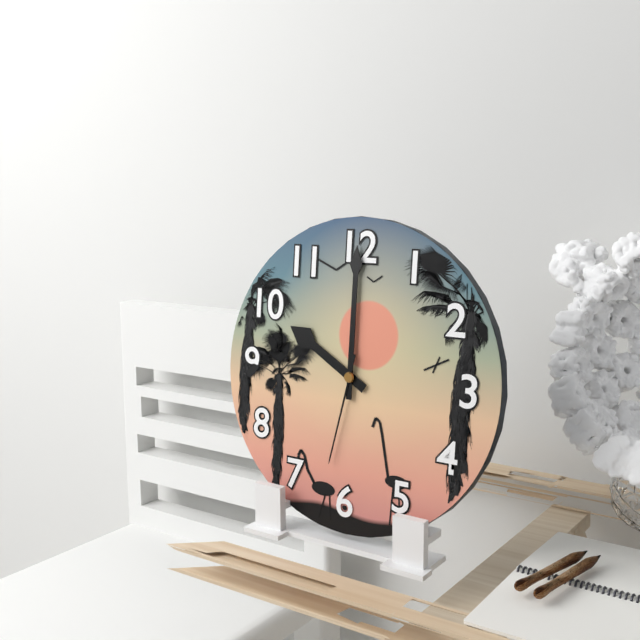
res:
h=10 m=0 s=32
